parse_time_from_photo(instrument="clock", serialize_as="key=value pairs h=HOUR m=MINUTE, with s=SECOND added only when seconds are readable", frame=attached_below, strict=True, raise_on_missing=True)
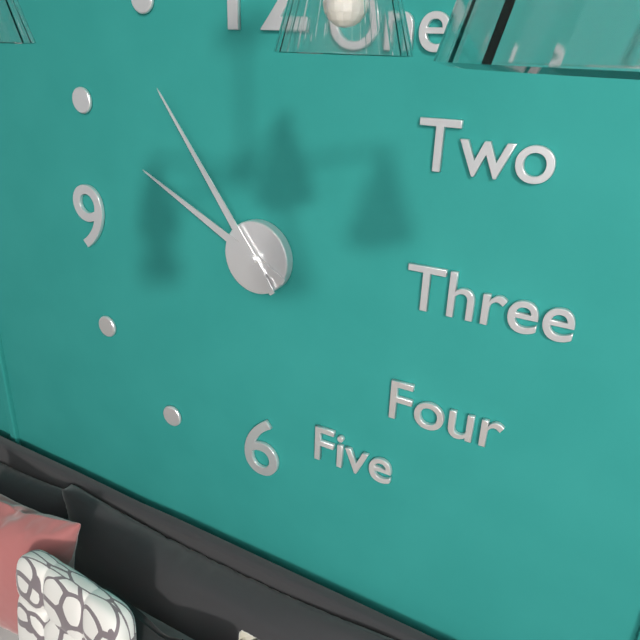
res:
h=9 m=54
